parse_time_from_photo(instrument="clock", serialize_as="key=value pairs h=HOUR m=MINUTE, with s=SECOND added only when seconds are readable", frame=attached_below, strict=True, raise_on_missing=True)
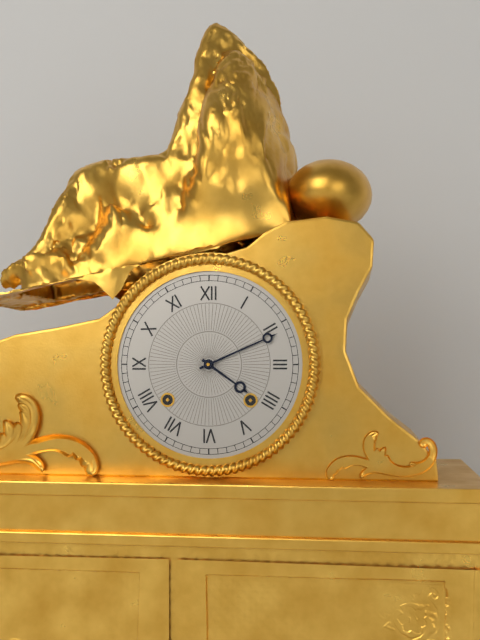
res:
h=4 m=11
